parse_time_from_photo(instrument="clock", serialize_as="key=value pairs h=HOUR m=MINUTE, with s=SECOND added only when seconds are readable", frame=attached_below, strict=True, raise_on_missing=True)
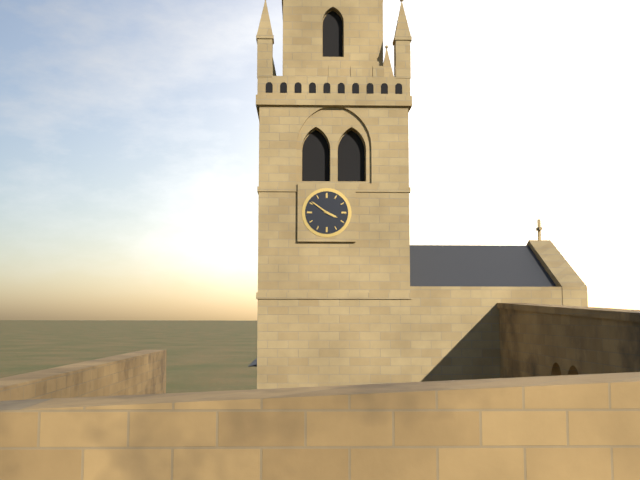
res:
h=3 m=51
